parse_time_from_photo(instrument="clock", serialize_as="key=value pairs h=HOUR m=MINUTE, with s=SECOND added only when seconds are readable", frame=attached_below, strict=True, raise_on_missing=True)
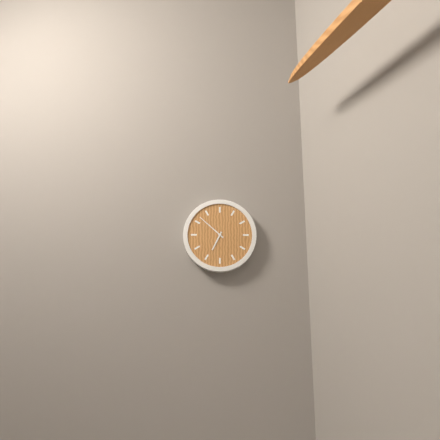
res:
h=6 m=52
